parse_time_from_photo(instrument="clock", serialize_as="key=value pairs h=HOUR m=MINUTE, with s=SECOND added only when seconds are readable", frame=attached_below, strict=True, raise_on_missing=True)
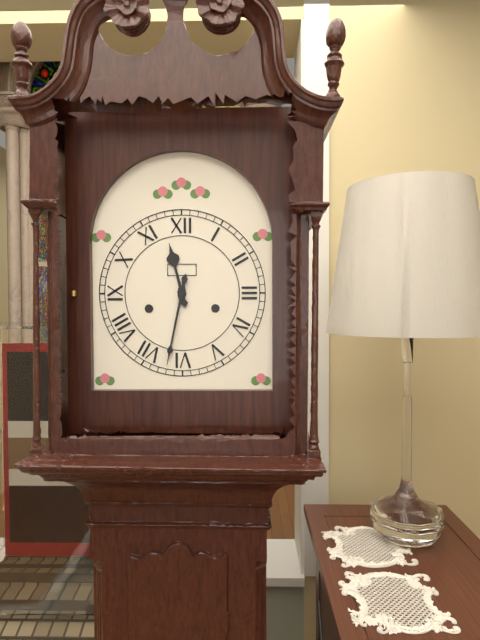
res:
h=11 m=32
